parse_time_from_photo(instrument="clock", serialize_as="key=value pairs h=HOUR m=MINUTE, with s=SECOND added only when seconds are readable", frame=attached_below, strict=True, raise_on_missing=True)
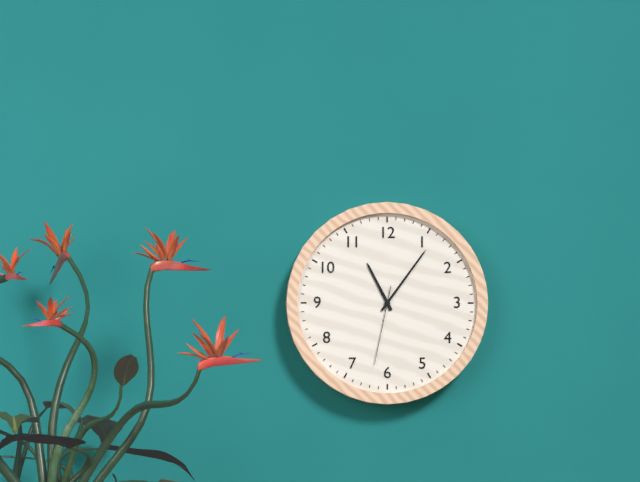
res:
h=11 m=6 s=32
